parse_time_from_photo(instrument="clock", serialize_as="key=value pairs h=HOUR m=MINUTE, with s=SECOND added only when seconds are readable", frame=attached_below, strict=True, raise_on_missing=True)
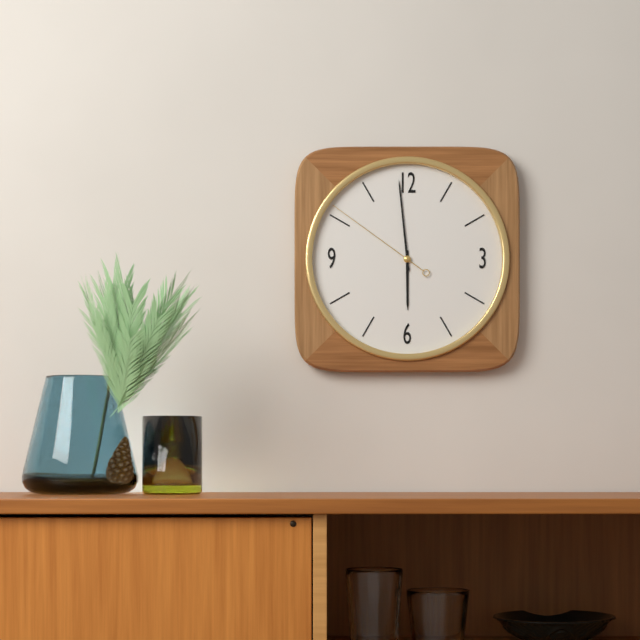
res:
h=5 m=59 s=51
